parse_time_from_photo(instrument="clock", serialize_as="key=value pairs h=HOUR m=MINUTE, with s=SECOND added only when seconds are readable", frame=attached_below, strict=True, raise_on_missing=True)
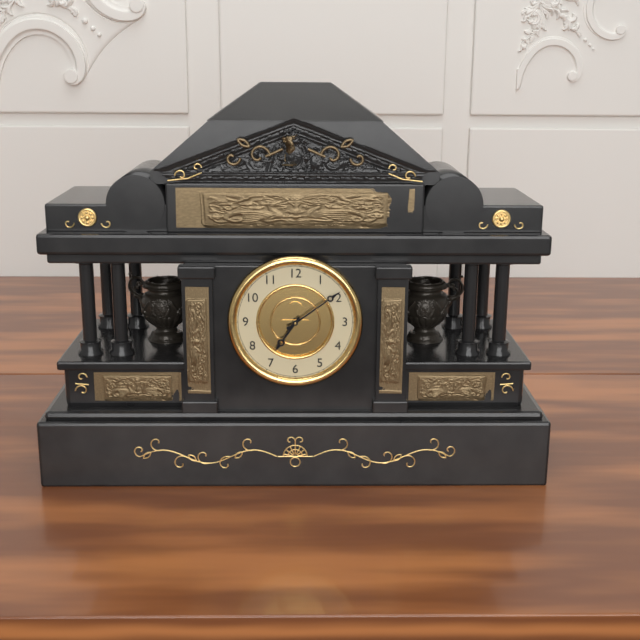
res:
h=7 m=9
